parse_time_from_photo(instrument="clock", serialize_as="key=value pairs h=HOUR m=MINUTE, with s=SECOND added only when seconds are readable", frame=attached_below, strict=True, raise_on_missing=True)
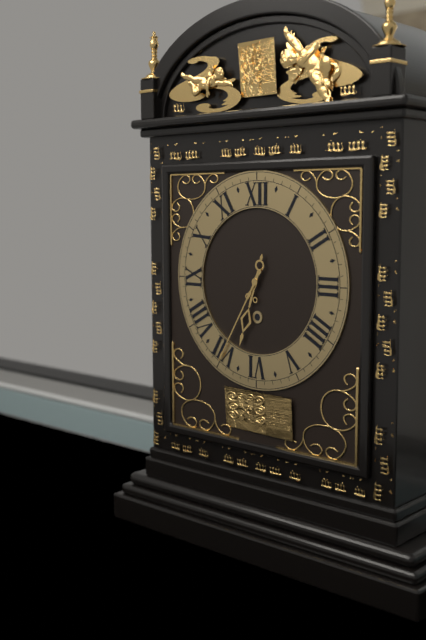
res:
h=6 m=35
